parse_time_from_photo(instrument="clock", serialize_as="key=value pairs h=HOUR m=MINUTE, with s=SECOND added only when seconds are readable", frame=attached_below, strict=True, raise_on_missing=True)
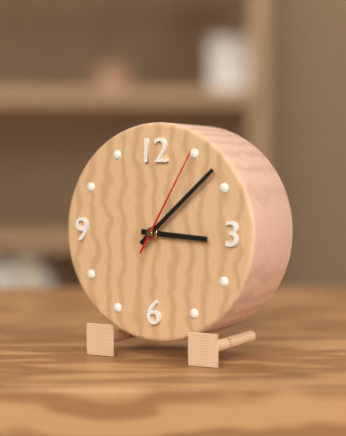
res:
h=3 m=8 s=5
